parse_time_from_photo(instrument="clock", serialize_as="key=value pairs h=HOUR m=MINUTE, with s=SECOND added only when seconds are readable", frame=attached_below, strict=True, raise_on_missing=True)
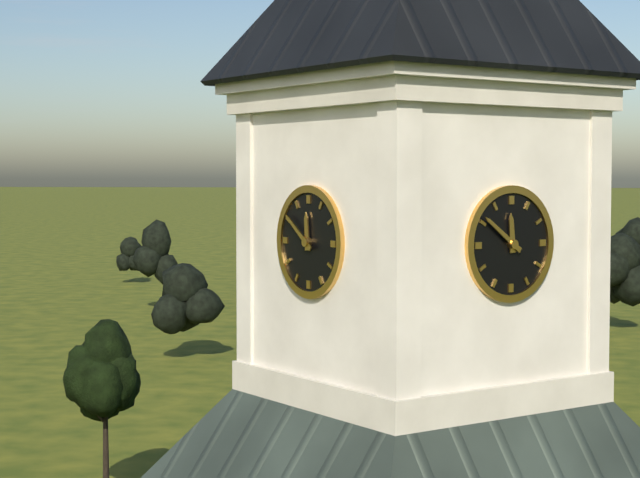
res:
h=11 m=51
